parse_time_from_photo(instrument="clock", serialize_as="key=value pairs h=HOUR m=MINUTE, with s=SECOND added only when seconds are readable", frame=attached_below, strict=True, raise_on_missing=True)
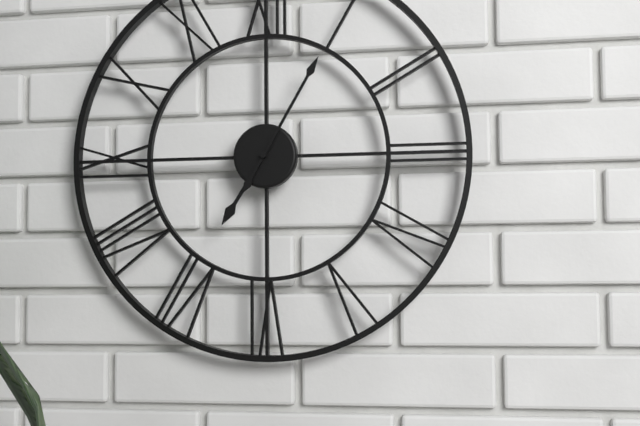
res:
h=7 m=5
